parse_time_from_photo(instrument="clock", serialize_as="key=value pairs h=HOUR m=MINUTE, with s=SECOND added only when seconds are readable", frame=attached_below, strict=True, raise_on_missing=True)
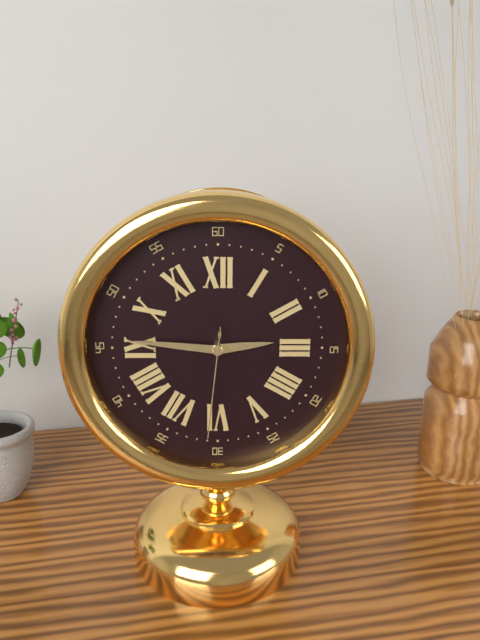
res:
h=2 m=46 s=31
